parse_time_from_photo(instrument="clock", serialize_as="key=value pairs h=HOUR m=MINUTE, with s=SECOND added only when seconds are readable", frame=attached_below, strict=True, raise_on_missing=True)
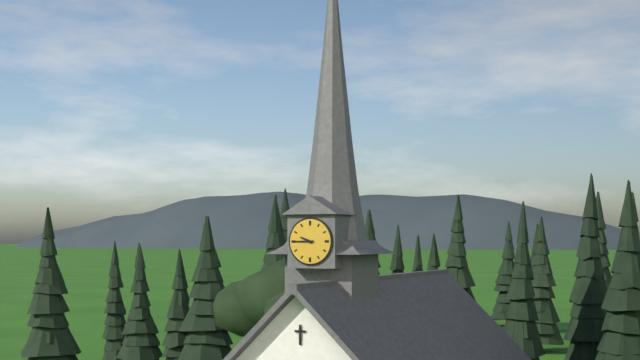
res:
h=9 m=45
